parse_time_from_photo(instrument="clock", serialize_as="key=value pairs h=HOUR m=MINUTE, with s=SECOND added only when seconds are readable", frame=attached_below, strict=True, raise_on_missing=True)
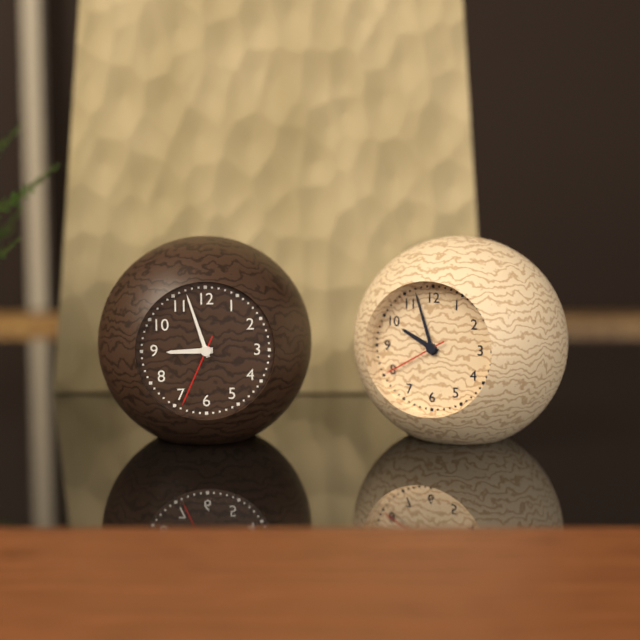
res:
h=8 m=57 s=34
